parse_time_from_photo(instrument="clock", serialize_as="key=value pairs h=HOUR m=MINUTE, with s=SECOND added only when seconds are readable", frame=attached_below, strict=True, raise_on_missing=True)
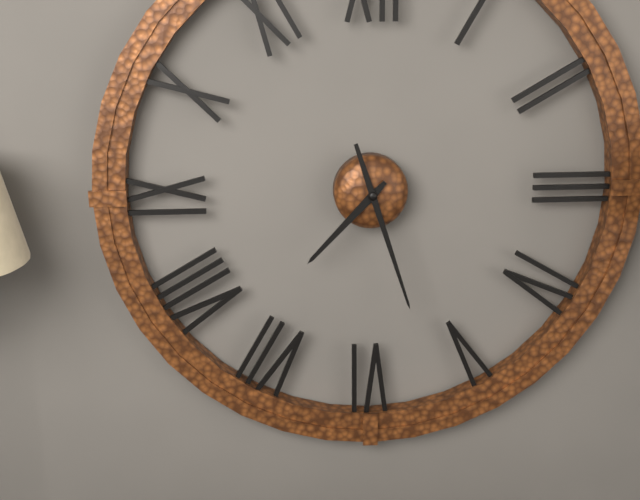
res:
h=7 m=27
